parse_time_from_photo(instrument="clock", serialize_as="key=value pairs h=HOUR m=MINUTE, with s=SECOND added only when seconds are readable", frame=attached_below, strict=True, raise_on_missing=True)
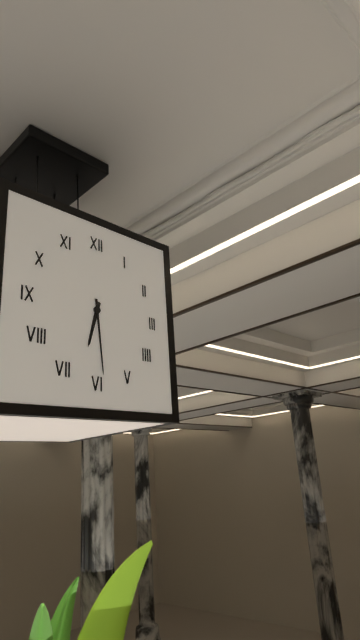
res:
h=6 m=29
